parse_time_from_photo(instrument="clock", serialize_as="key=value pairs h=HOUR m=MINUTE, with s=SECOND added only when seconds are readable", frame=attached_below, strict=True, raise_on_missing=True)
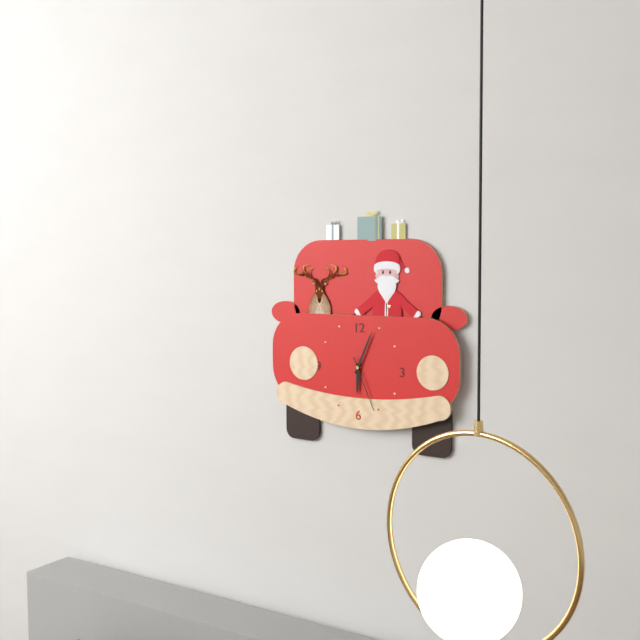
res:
h=6 m=4 s=26
